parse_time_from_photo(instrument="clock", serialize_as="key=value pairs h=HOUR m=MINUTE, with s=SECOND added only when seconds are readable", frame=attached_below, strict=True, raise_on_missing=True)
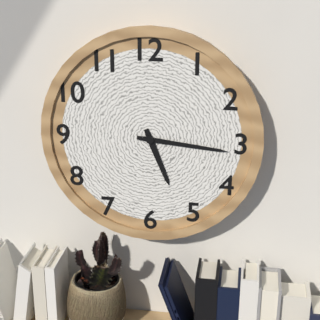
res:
h=5 m=16
